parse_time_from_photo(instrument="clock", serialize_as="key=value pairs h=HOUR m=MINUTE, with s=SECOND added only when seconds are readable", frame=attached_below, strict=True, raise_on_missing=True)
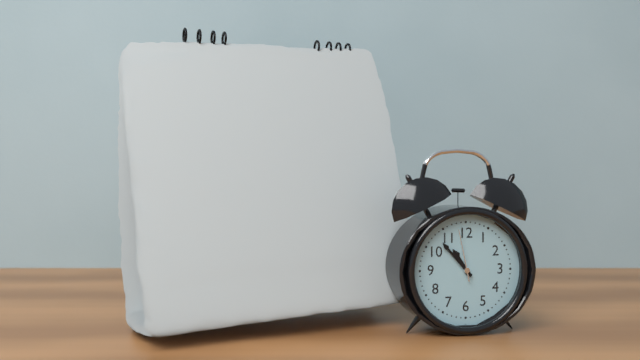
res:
h=10 m=53 s=58
